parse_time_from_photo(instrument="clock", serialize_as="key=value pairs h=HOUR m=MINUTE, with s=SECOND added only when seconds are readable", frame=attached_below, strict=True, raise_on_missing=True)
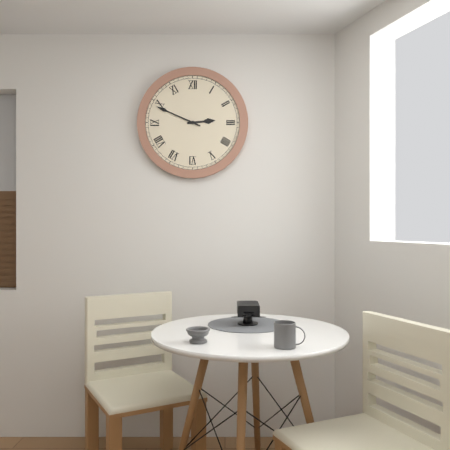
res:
h=2 m=49
